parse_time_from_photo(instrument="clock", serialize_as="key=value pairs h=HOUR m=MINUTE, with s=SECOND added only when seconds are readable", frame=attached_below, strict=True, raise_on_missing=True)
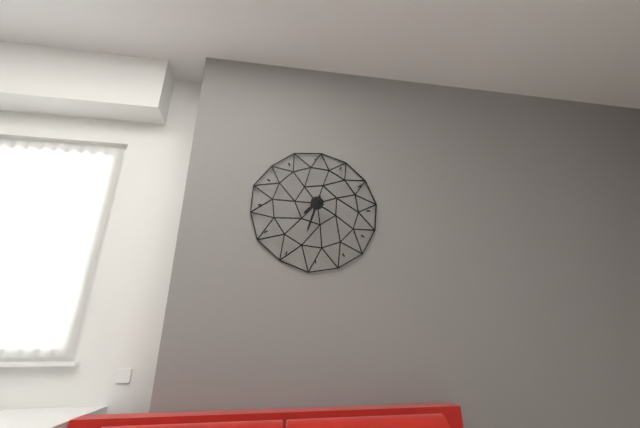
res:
h=7 m=33
